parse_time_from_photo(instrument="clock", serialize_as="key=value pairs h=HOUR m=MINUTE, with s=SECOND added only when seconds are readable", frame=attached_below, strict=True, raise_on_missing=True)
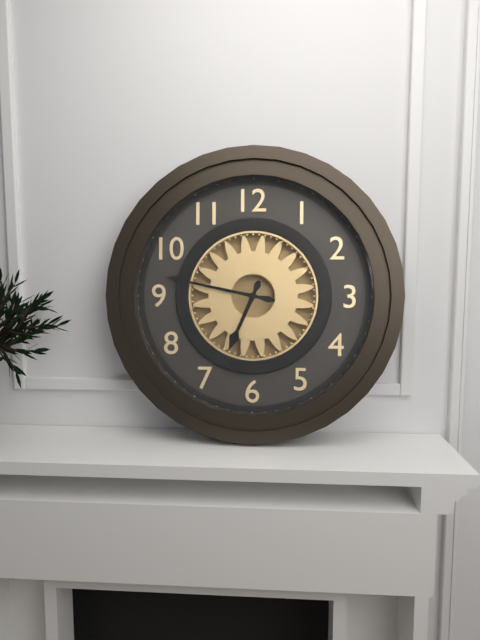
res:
h=6 m=47
